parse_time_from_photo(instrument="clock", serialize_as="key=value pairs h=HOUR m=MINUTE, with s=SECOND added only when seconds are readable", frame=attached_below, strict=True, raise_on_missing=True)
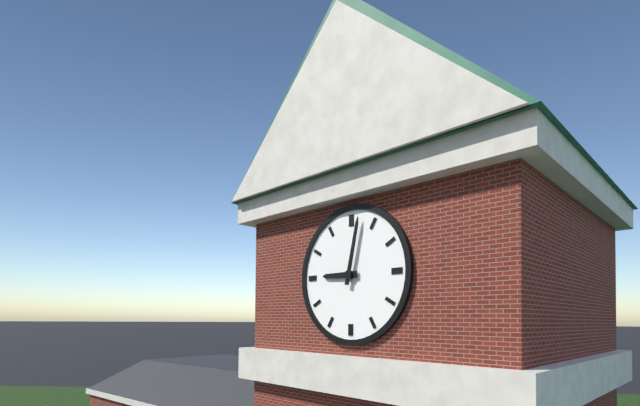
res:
h=9 m=2
